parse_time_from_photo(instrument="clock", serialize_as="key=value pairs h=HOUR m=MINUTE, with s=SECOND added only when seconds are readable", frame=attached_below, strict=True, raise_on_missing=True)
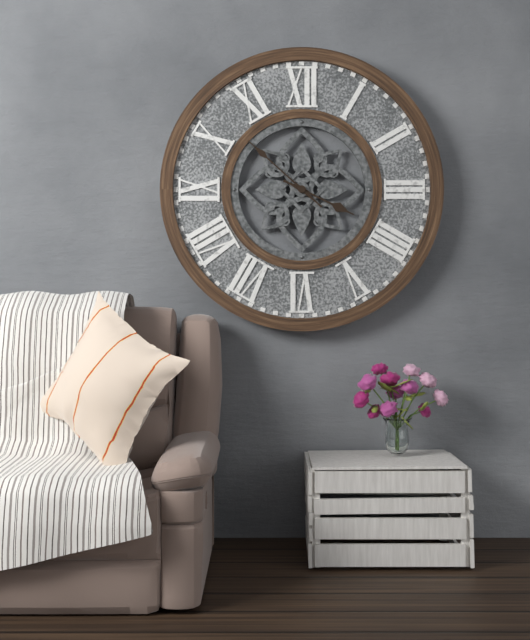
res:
h=3 m=52
